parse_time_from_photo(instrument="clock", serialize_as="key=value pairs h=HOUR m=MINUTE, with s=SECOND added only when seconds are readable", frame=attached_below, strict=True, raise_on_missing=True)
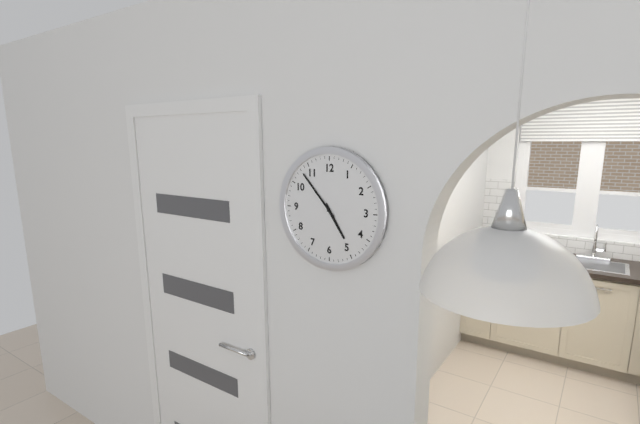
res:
h=4 m=53
